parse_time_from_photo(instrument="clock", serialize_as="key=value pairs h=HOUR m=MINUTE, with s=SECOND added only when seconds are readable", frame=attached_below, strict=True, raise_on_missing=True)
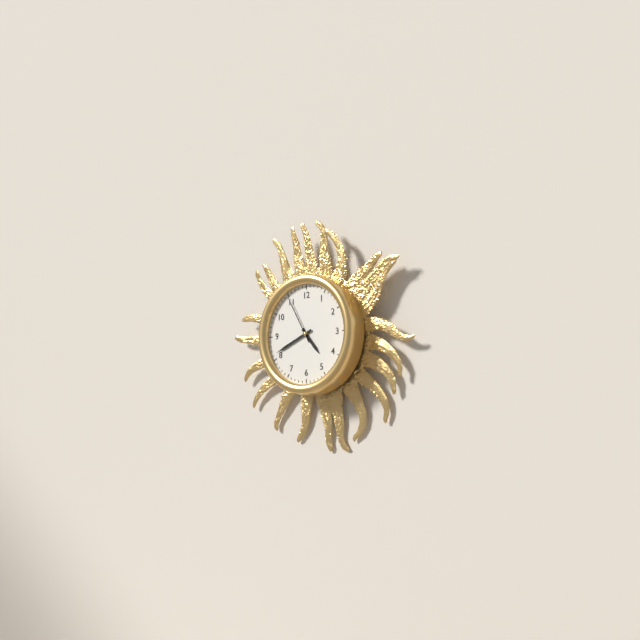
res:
h=4 m=41 s=55
